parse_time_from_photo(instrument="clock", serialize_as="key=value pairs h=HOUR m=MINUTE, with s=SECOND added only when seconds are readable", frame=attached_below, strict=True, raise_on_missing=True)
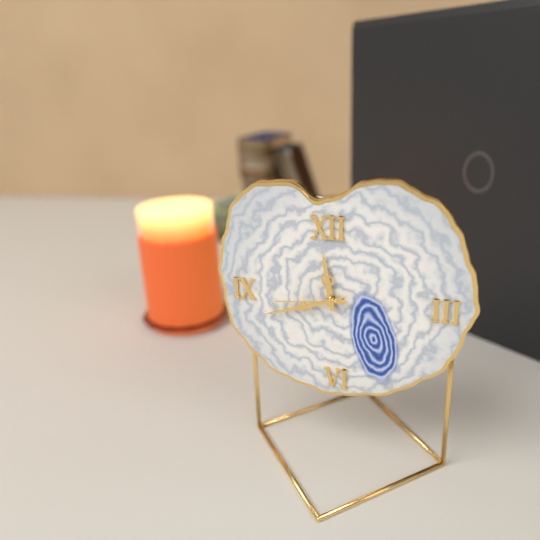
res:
h=11 m=42 s=44
